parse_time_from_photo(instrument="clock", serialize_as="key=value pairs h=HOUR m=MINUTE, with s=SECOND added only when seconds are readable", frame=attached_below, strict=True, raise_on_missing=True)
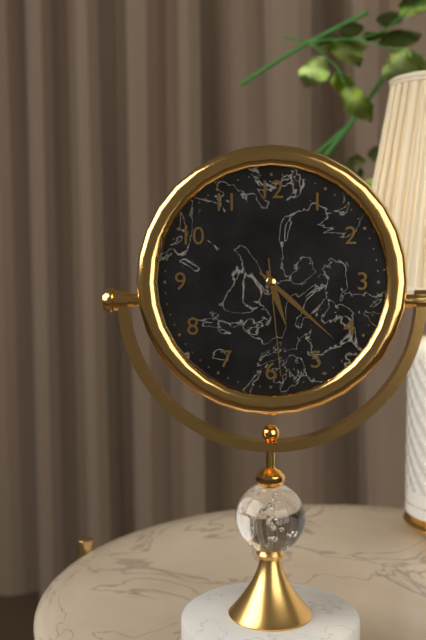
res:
h=5 m=22 s=29
